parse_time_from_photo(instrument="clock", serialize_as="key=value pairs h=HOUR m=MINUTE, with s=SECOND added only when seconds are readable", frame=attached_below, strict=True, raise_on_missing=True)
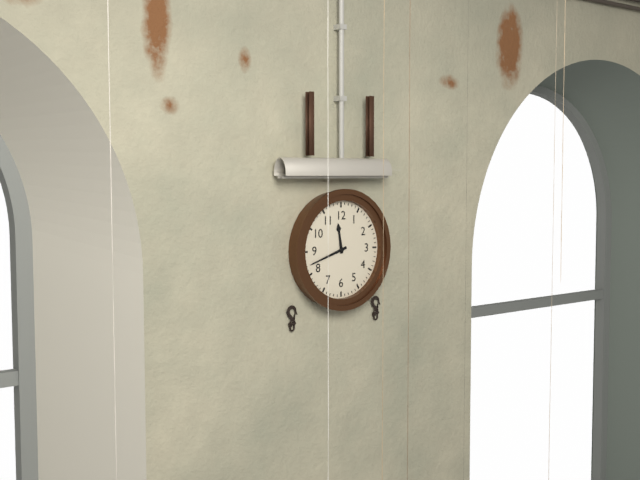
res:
h=11 m=42
